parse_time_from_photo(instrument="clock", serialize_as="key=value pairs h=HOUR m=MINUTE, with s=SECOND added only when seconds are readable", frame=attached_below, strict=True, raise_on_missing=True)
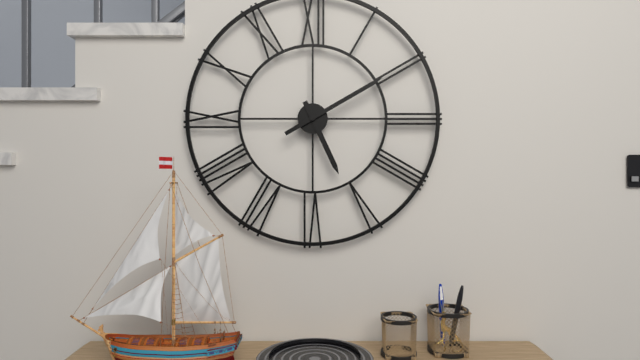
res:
h=5 m=10
